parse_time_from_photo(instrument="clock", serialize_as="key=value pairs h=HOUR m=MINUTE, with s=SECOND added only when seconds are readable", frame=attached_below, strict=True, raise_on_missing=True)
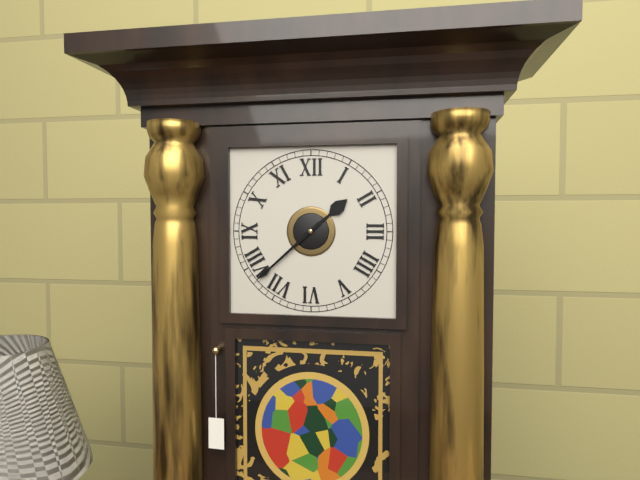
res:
h=1 m=38
